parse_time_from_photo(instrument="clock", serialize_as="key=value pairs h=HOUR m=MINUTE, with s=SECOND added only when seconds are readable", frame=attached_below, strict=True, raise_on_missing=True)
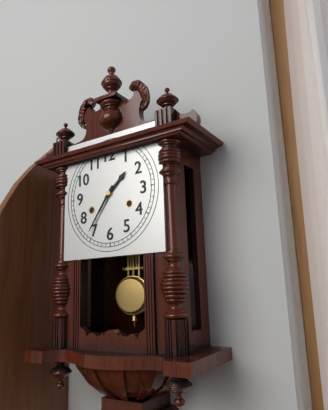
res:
h=1 m=36
